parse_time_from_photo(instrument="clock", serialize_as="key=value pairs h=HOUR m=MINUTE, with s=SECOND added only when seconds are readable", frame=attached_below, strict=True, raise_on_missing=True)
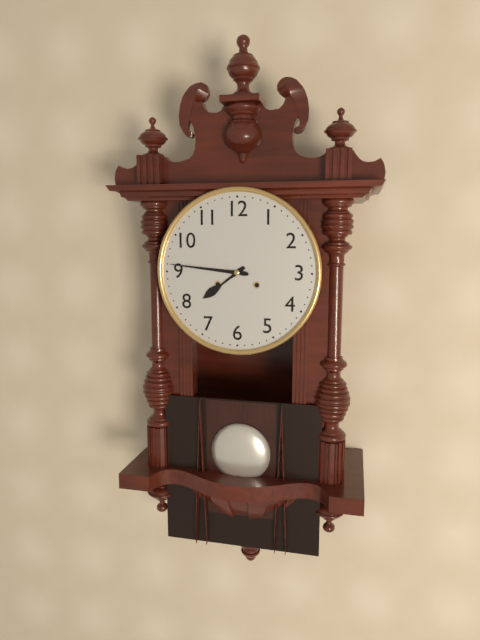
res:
h=7 m=46
